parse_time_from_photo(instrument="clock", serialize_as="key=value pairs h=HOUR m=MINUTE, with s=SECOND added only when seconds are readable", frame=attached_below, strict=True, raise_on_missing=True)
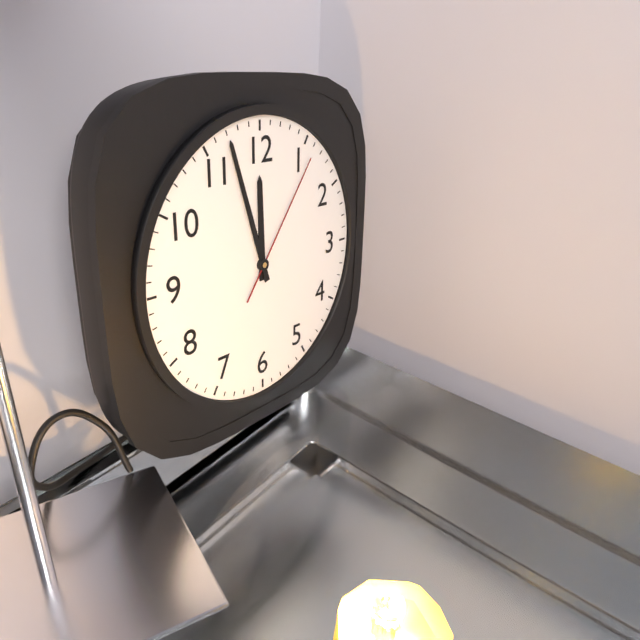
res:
h=11 m=57 s=6
